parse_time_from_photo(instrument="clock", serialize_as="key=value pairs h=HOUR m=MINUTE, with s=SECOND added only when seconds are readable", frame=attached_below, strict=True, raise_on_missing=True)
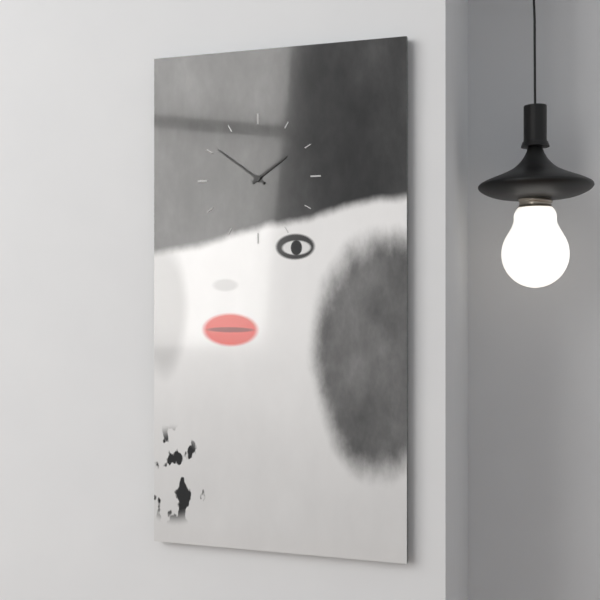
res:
h=1 m=51
